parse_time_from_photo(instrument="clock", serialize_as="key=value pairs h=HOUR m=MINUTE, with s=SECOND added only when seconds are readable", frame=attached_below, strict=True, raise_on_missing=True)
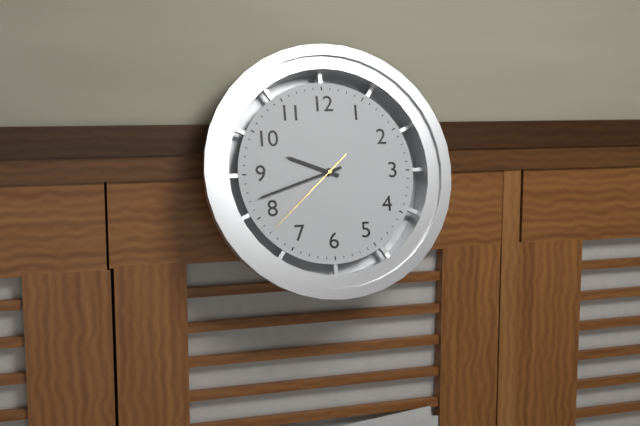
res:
h=9 m=42 s=38
